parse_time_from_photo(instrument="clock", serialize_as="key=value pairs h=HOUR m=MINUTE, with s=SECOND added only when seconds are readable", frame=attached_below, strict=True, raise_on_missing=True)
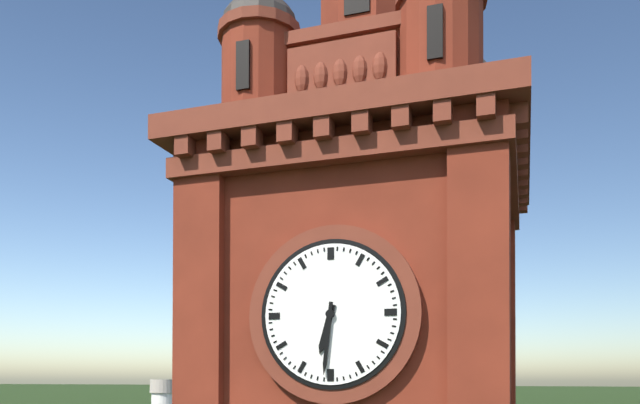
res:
h=6 m=31
